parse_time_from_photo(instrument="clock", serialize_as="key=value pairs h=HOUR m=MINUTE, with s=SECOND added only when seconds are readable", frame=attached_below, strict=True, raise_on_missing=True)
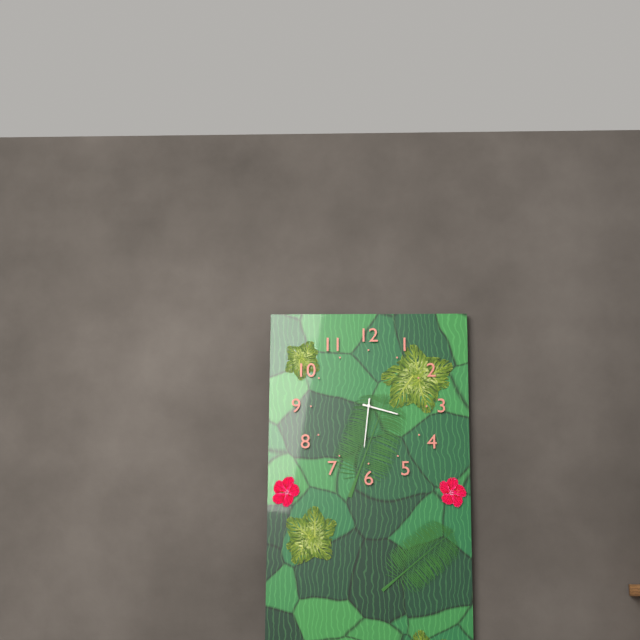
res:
h=3 m=31
